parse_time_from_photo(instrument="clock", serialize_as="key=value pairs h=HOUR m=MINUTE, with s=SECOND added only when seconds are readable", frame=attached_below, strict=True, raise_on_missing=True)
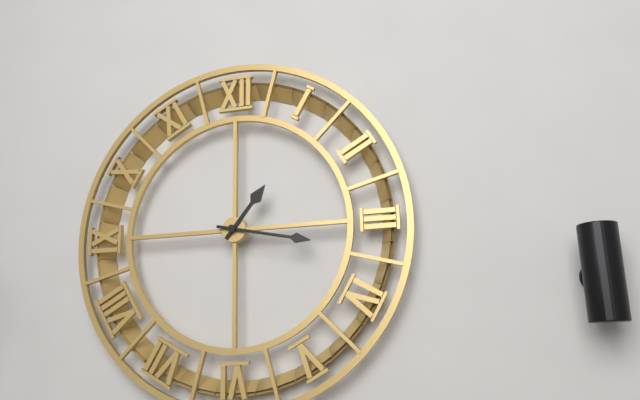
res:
h=1 m=17
